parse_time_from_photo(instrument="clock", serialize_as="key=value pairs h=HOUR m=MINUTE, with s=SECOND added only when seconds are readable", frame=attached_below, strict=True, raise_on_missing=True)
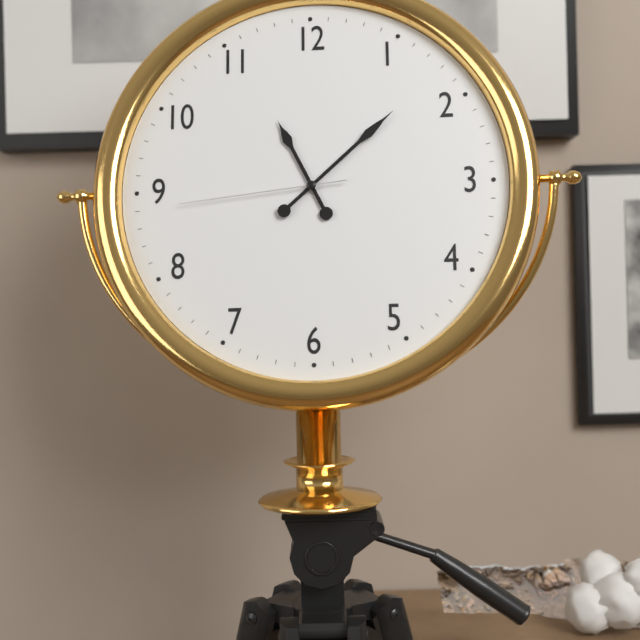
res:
h=11 m=8 s=44
